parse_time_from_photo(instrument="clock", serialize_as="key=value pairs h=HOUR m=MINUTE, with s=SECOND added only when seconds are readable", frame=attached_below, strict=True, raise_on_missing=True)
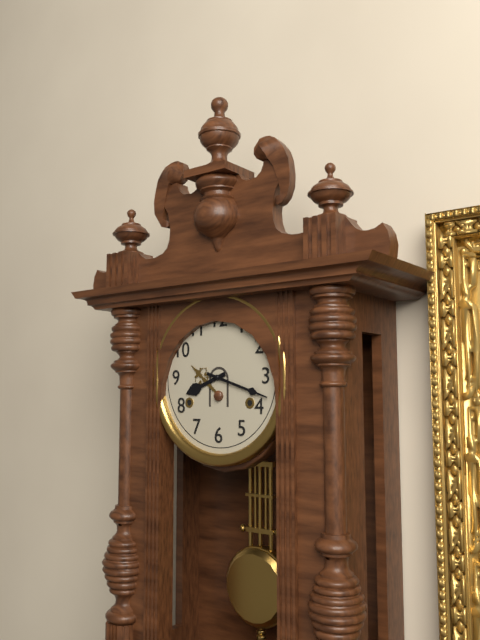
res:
h=8 m=18
